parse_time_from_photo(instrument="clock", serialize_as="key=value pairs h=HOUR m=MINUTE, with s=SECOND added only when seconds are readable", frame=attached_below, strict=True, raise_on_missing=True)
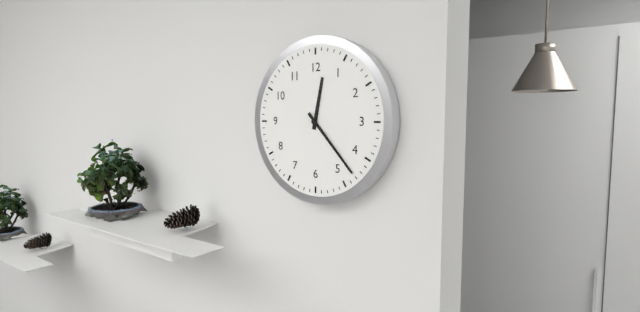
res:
h=12 m=23
